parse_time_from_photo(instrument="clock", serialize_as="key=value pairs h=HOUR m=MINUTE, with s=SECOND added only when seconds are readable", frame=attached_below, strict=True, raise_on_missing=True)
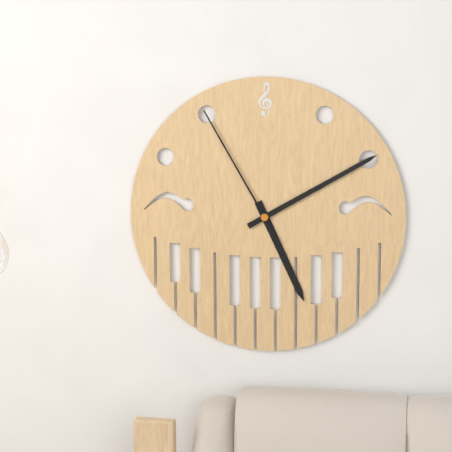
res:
h=5 m=10 s=55
